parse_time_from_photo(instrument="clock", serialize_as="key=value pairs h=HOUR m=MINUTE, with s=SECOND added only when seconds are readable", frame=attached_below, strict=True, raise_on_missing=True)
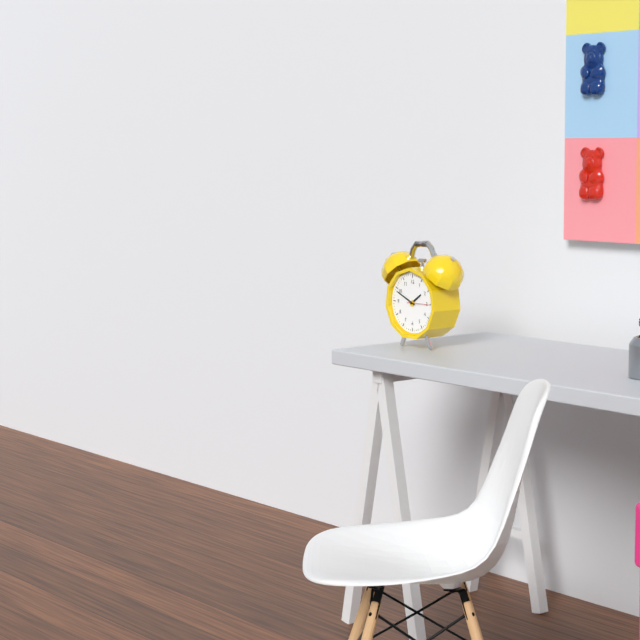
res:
h=1 m=49
